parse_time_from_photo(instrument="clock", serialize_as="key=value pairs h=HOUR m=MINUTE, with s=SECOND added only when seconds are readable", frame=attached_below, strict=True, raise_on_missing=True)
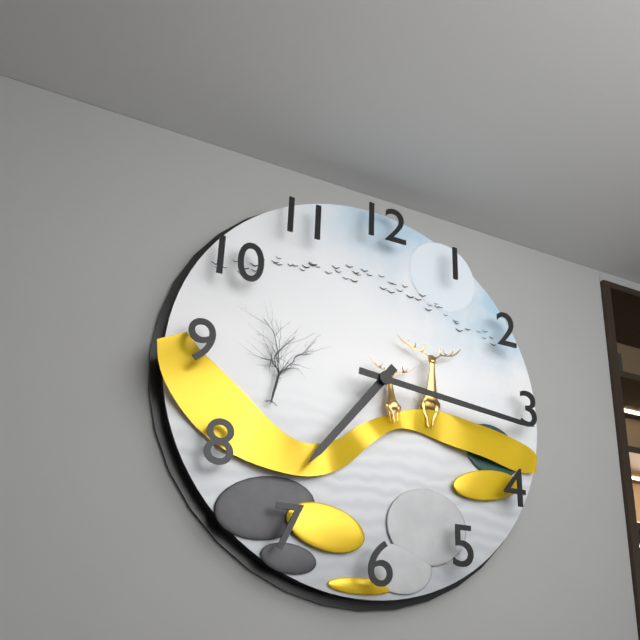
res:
h=7 m=16
